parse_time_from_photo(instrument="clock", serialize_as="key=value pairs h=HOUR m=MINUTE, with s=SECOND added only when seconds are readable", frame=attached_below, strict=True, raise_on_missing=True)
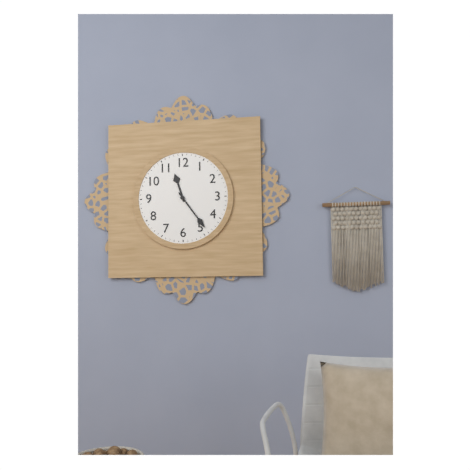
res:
h=11 m=24
